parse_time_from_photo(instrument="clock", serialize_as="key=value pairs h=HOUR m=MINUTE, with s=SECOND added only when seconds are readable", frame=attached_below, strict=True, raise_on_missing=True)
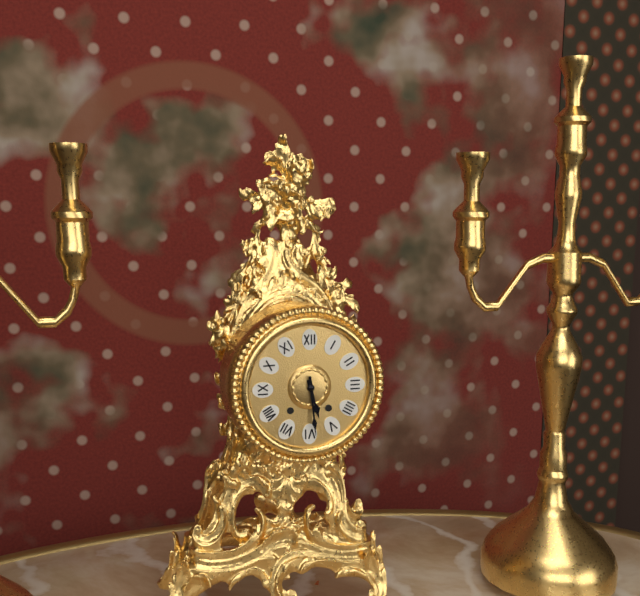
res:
h=5 m=29
